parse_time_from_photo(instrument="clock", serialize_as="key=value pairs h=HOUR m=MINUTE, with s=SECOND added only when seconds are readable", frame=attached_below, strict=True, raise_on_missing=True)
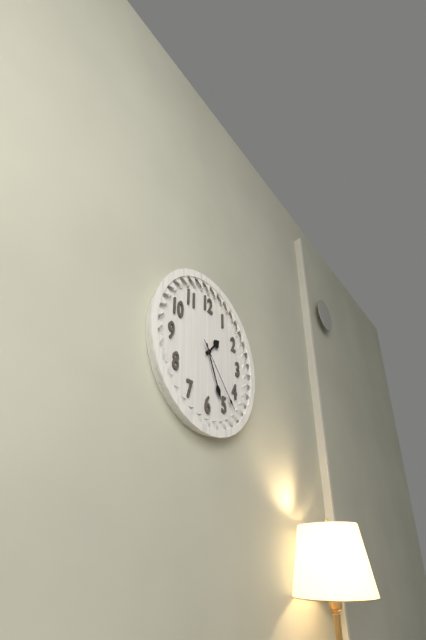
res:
h=1 m=26 s=23
